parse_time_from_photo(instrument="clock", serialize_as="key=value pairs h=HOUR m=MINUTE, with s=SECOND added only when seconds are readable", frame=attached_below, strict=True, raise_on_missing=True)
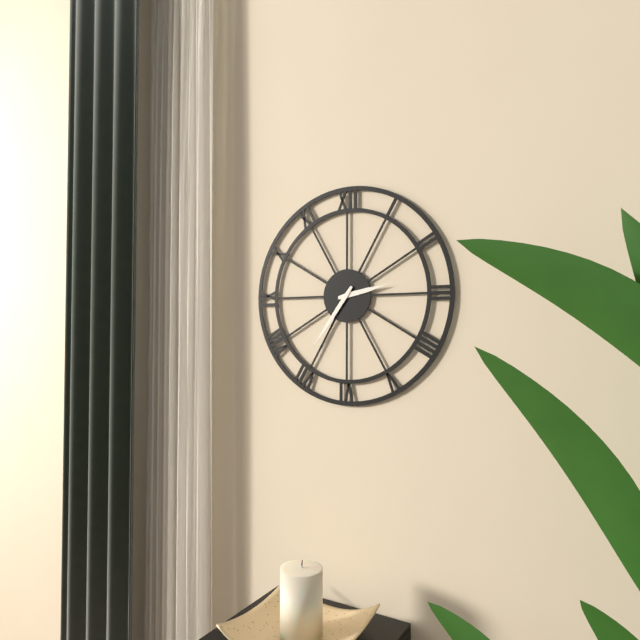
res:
h=2 m=36
